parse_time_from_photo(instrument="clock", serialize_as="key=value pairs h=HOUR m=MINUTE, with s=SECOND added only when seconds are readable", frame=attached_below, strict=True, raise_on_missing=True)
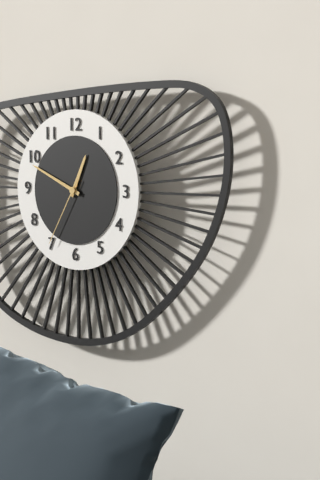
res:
h=12 m=49 s=35
